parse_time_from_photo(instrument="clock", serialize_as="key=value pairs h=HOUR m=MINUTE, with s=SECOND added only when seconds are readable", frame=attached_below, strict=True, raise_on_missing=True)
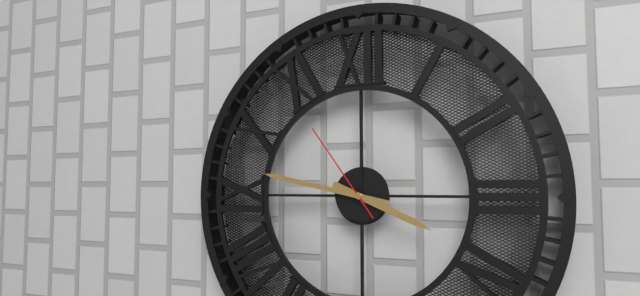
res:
h=3 m=47 s=54
